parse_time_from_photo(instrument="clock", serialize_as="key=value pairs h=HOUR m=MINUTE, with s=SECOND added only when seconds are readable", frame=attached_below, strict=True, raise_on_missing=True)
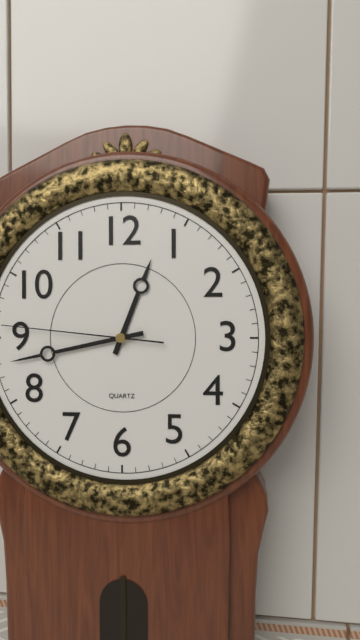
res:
h=12 m=43 s=46
